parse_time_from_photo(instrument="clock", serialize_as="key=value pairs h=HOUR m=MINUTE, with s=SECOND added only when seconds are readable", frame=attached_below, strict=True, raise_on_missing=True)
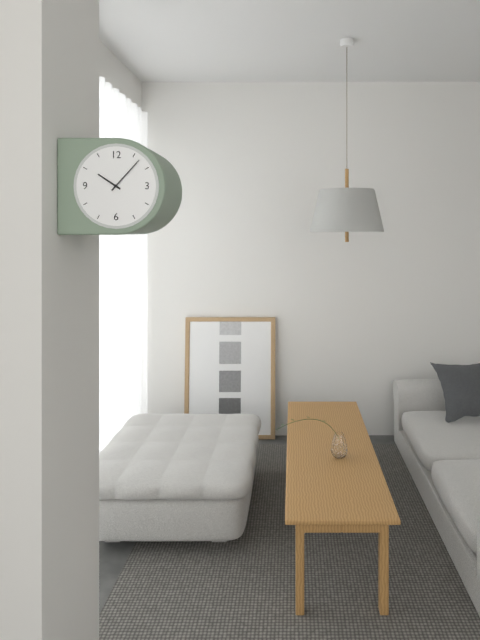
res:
h=10 m=7
